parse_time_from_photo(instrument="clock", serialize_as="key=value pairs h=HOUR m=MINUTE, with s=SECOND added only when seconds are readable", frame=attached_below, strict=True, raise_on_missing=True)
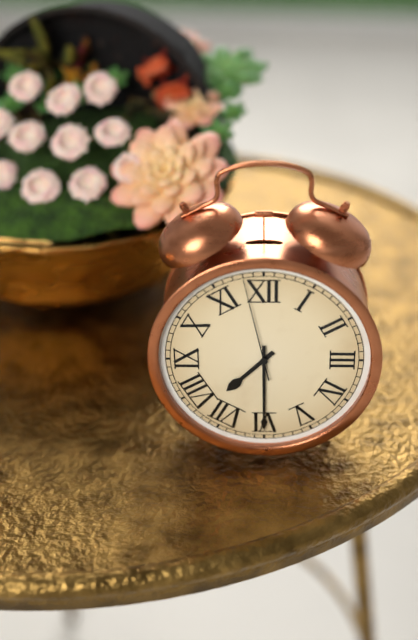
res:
h=7 m=30 s=58
